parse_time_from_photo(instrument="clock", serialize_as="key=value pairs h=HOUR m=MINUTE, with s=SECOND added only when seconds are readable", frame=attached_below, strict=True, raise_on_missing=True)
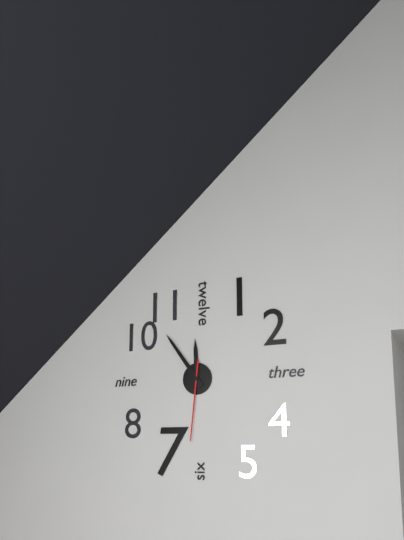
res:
h=11 m=54 s=31
